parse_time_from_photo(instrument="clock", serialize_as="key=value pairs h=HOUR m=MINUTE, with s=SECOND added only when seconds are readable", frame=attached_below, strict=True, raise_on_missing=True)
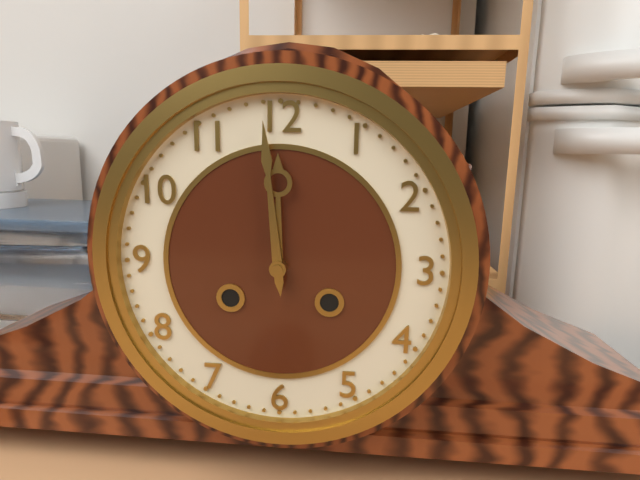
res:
h=11 m=59
